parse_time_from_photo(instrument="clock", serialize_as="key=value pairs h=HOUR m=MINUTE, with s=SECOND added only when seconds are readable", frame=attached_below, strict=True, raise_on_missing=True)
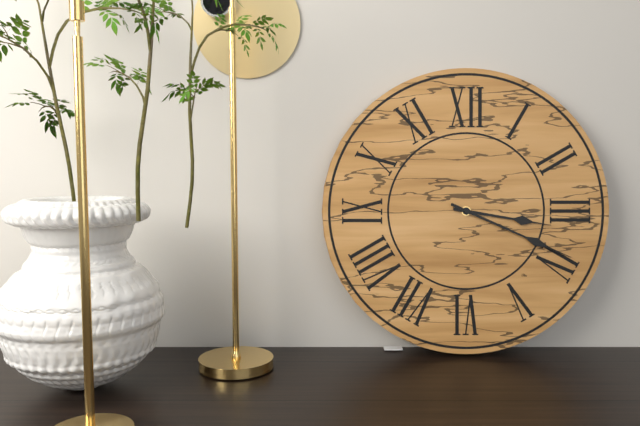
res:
h=3 m=19
